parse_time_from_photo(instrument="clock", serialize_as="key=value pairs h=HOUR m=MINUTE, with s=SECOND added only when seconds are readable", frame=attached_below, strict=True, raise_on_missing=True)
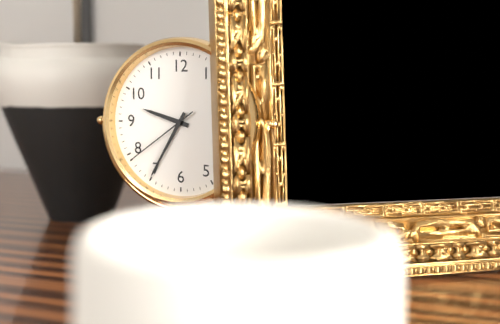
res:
h=9 m=35 s=39
